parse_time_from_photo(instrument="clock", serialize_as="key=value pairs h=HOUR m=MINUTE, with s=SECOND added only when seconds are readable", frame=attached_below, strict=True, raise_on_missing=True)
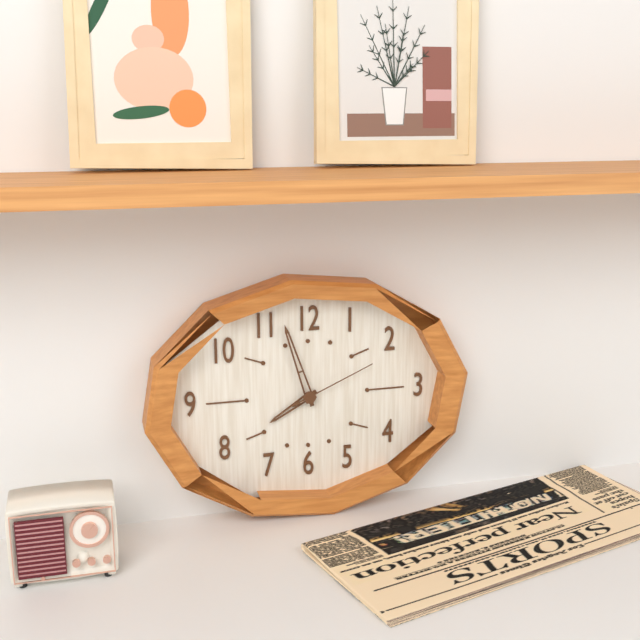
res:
h=7 m=57 s=11
